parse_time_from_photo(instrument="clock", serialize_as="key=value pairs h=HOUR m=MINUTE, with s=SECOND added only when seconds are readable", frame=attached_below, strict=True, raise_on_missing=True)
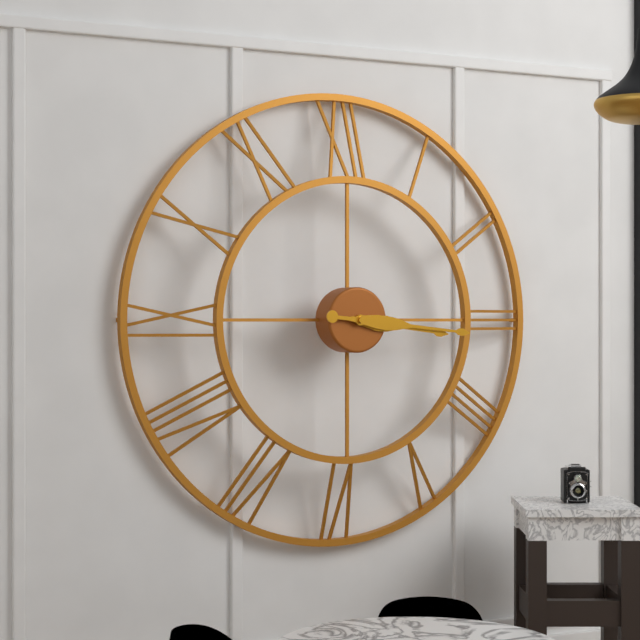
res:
h=3 m=16
